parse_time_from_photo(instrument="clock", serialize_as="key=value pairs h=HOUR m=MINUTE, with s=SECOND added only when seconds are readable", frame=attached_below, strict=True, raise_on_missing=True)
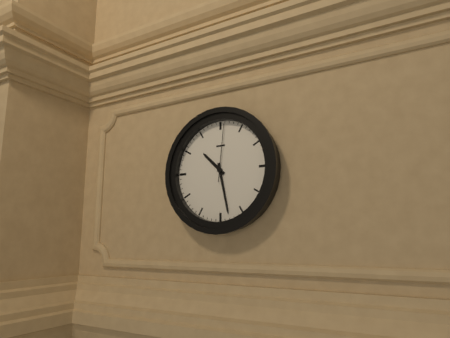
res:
h=10 m=28 s=1
